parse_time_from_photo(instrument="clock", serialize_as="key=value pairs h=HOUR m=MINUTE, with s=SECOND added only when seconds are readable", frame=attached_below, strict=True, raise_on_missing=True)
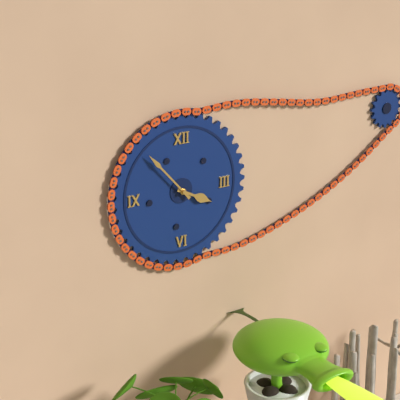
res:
h=3 m=53
